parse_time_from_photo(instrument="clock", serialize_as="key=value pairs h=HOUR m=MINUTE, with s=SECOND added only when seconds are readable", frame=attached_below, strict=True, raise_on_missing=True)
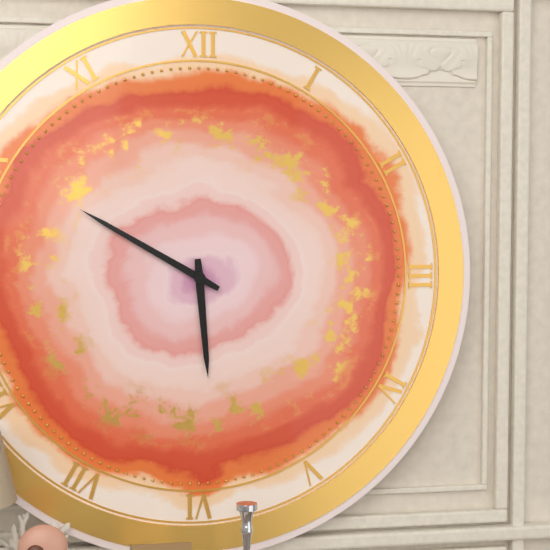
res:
h=5 m=50
